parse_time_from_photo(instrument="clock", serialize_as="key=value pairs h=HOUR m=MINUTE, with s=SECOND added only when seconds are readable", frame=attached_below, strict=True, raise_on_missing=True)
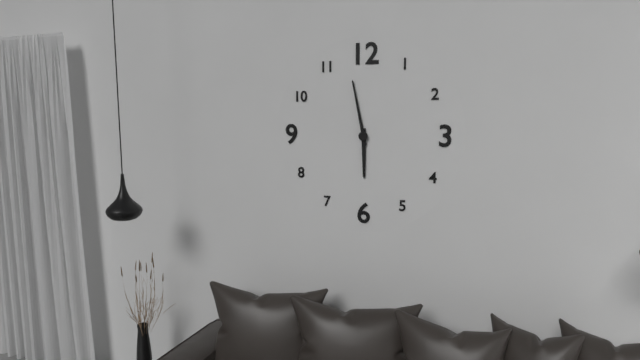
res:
h=5 m=58
